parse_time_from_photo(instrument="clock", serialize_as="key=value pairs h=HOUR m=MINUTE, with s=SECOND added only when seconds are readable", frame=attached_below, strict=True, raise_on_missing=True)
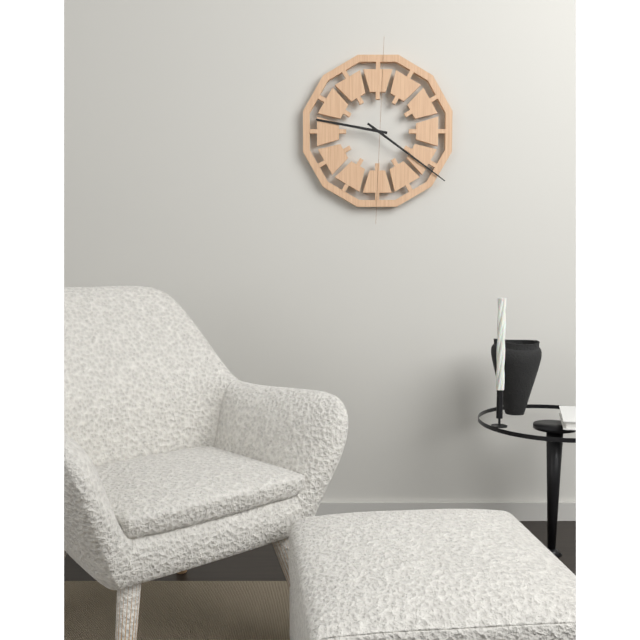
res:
h=9 m=21
